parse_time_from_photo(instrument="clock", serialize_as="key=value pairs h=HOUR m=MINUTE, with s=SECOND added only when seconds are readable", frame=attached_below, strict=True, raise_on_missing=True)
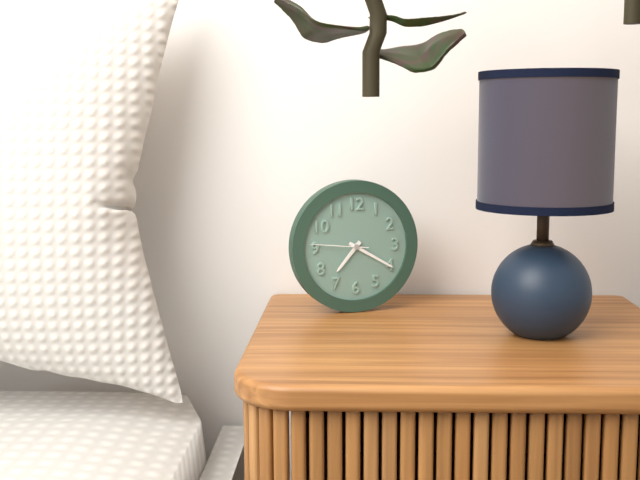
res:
h=7 m=20
